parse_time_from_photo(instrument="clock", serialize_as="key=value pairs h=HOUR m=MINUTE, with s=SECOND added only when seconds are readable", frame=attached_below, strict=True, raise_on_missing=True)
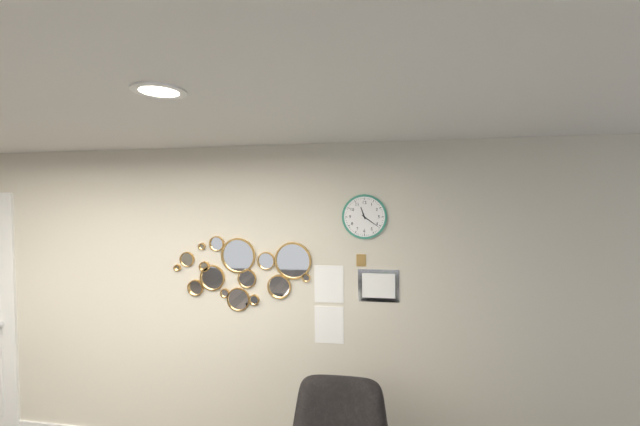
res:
h=11 m=21
